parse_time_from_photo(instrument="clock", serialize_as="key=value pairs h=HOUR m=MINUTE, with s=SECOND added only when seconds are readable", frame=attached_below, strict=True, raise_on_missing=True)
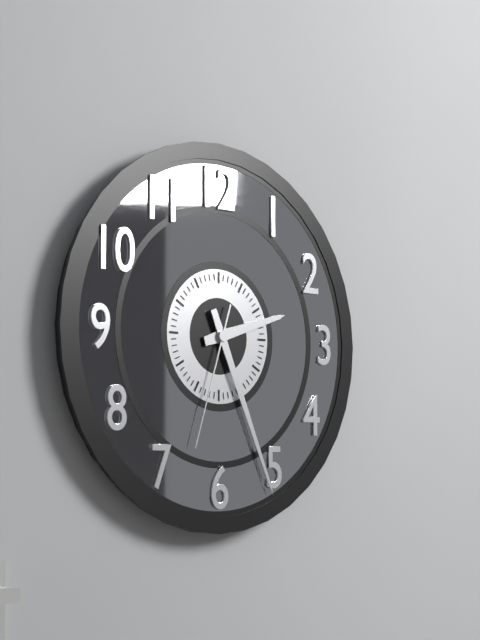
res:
h=2 m=26 s=33
